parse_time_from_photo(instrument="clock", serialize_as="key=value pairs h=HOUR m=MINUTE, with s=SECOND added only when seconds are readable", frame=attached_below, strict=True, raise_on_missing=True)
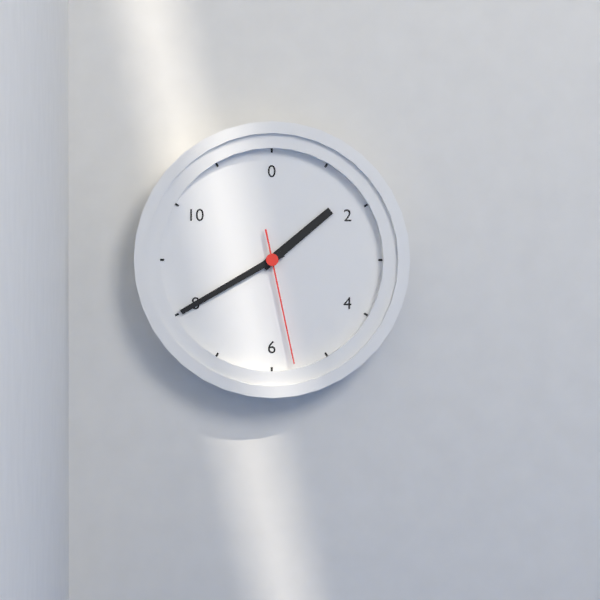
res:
h=1 m=40 s=28
